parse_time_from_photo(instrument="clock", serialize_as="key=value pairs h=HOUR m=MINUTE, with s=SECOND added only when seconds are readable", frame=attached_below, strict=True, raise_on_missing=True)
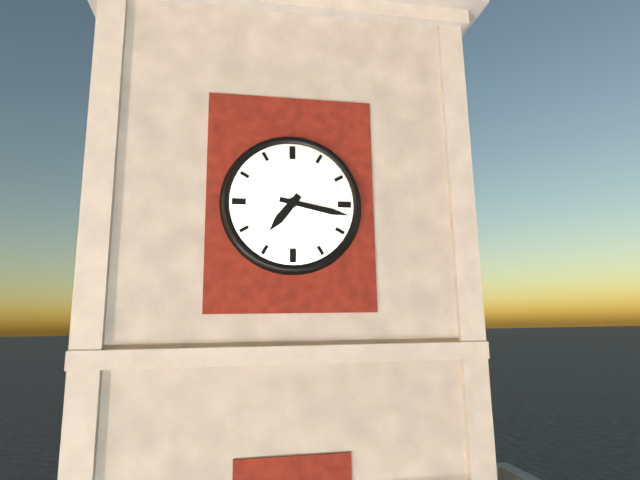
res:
h=7 m=17
